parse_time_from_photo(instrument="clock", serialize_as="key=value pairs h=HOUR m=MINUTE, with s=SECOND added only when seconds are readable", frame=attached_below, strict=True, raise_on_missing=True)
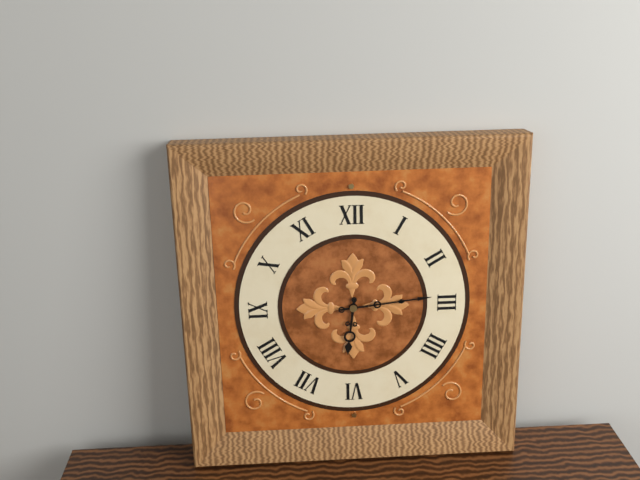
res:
h=6 m=14
